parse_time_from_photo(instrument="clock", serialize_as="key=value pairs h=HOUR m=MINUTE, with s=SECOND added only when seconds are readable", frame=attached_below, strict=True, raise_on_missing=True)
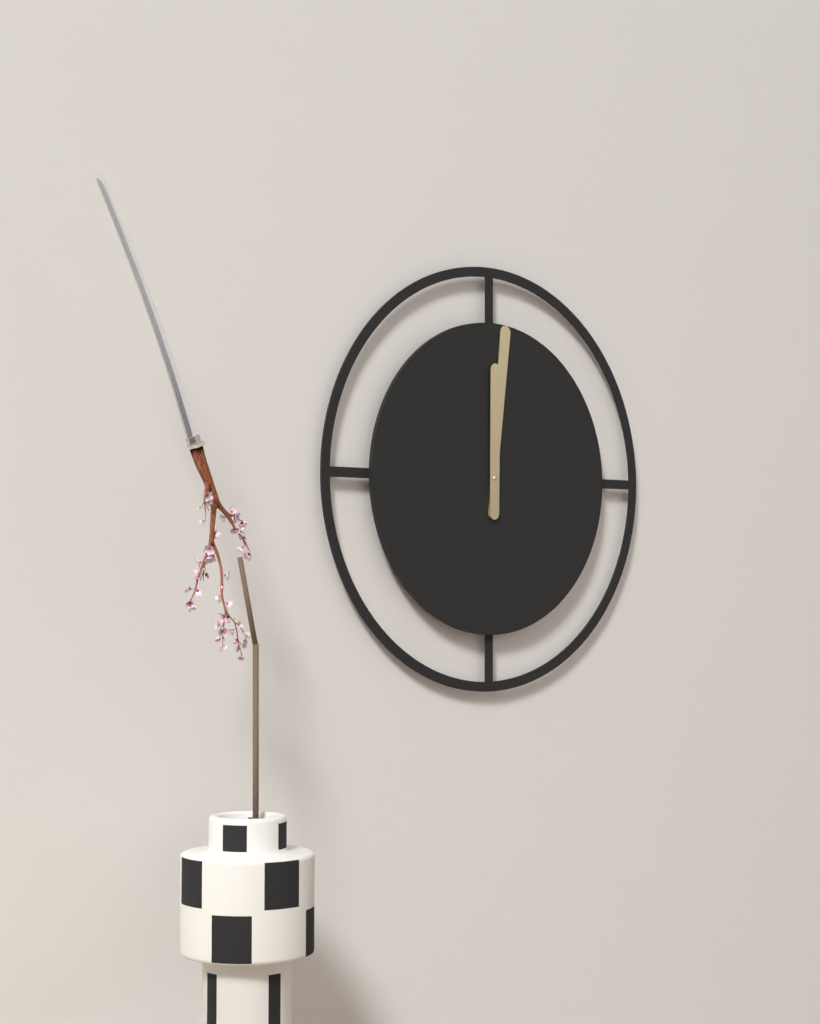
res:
h=12 m=1
